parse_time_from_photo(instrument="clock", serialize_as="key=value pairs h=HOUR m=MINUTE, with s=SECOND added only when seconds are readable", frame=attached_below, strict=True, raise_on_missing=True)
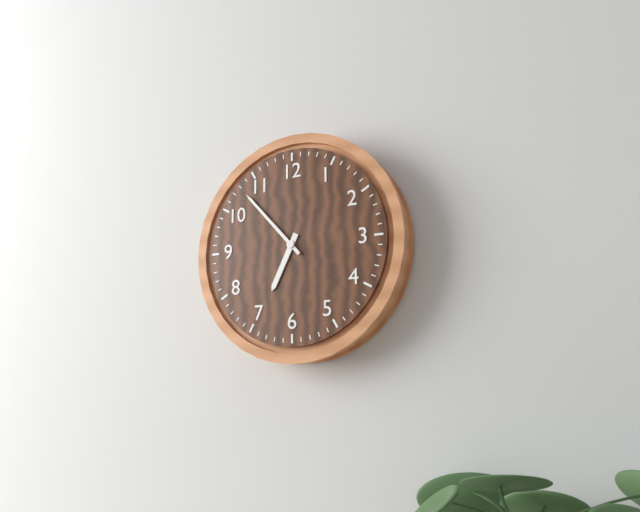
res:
h=6 m=53
